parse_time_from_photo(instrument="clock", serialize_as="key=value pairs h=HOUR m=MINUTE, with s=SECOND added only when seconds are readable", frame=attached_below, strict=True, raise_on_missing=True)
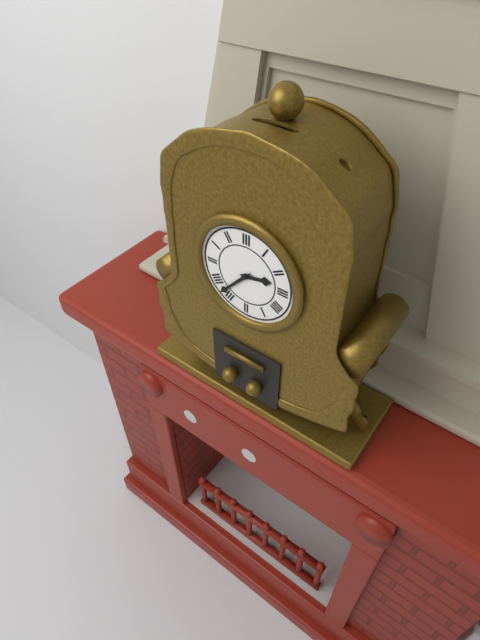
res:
h=2 m=37
